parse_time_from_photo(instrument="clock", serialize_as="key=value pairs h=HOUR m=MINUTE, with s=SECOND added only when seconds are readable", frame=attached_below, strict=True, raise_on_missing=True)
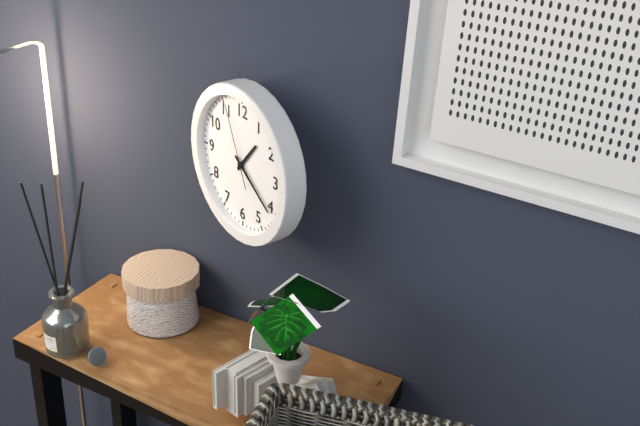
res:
h=1 m=21 s=56
